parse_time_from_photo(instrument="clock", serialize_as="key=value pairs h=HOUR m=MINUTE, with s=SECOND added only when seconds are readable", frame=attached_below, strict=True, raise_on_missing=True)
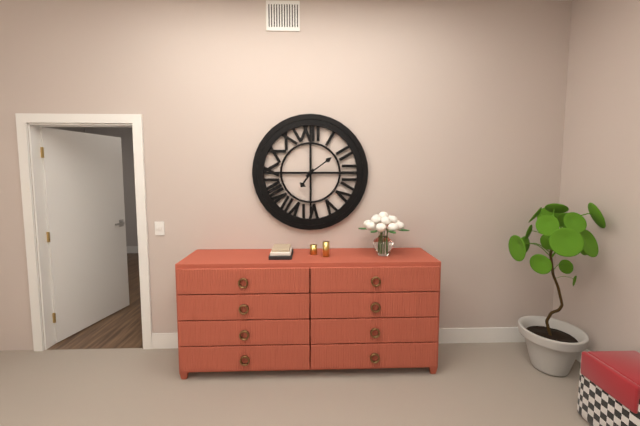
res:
h=7 m=9
